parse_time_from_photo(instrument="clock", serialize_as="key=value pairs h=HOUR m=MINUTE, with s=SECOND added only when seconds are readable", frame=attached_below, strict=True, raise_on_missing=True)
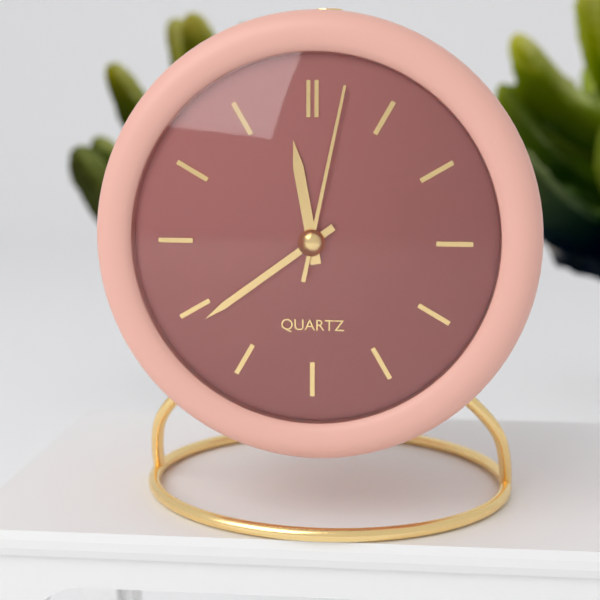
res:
h=11 m=39 s=2
